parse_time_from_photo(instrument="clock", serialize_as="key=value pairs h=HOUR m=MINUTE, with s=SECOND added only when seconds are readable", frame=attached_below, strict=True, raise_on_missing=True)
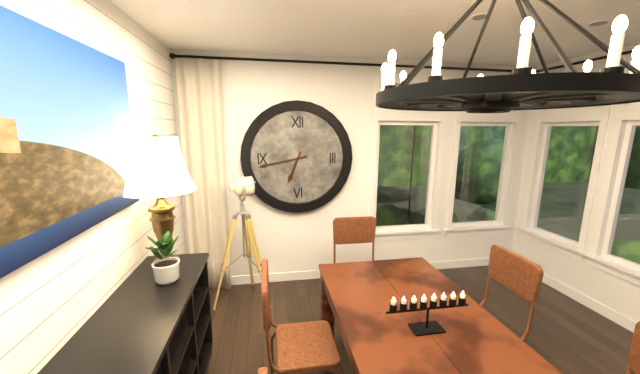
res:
h=6 m=43
